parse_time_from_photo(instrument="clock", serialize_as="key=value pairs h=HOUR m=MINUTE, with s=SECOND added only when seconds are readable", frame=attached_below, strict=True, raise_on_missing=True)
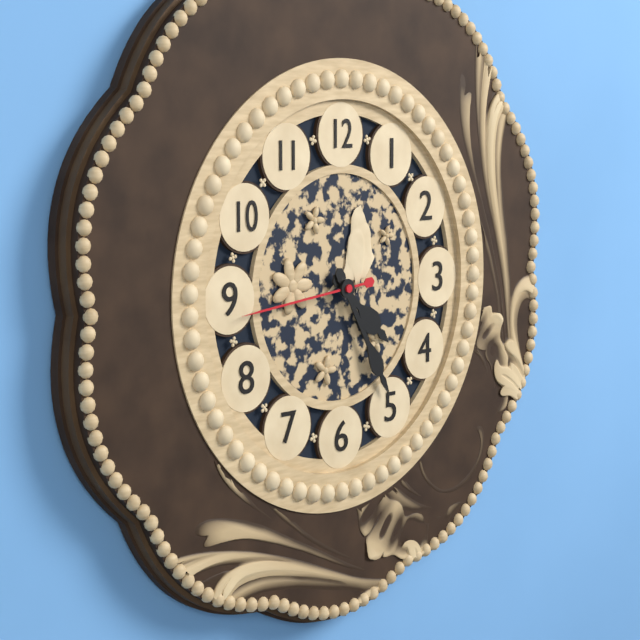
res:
h=4 m=25 s=44
